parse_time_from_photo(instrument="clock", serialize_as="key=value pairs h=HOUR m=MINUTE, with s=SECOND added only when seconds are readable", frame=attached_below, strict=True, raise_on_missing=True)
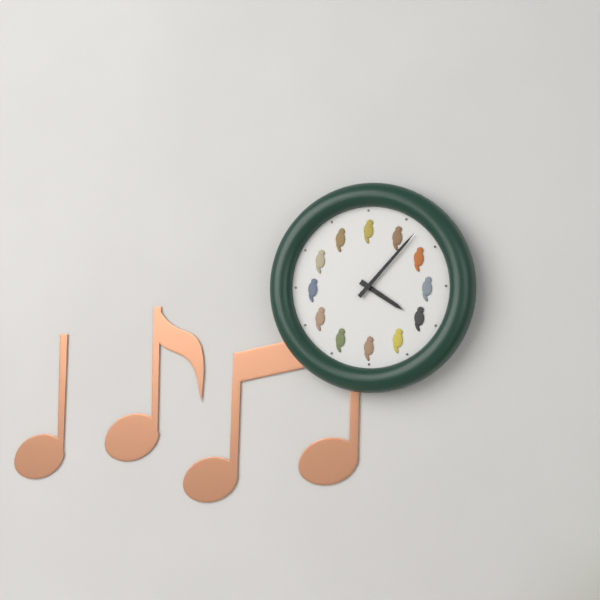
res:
h=4 m=7
